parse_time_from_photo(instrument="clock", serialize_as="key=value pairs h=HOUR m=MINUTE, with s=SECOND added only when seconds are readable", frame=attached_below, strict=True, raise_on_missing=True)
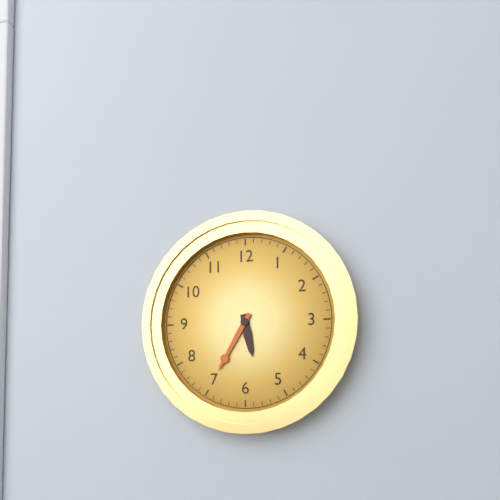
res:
h=5 m=35
